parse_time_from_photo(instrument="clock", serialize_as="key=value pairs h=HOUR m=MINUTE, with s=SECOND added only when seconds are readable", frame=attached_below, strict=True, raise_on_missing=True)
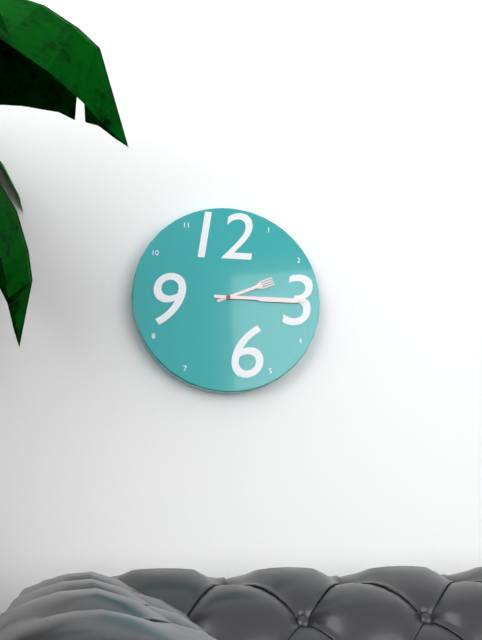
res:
h=2 m=15
